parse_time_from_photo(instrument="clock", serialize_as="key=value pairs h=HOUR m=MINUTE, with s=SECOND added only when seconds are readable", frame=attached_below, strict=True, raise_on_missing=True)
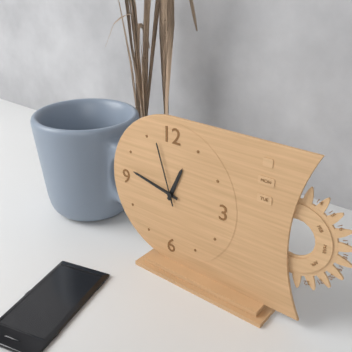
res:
h=12 m=47 s=57
